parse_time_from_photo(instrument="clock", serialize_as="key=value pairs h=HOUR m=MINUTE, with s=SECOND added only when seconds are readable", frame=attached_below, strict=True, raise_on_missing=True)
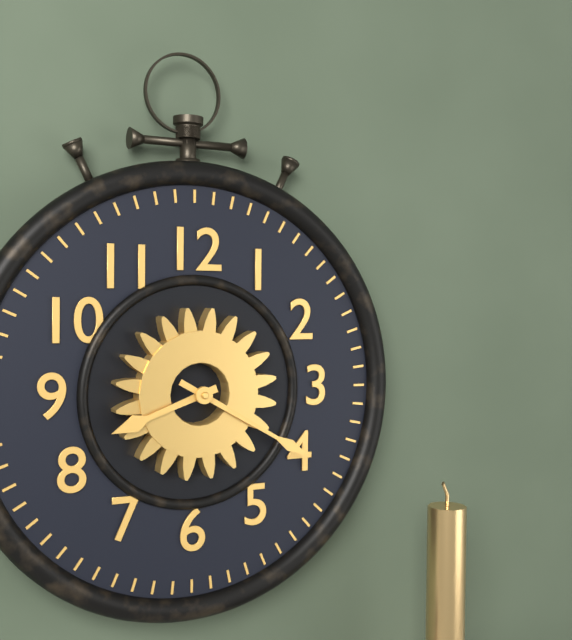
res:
h=8 m=20
